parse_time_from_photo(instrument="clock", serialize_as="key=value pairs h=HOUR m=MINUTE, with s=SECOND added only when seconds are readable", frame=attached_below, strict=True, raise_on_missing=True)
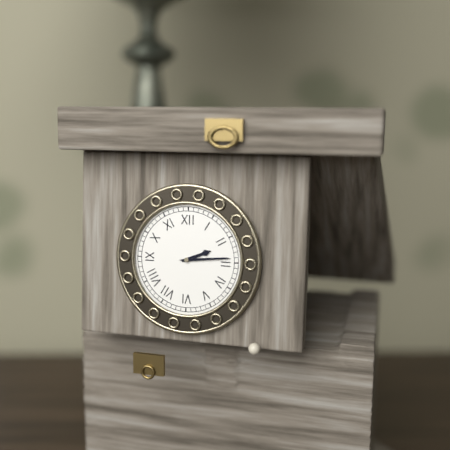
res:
h=2 m=14
